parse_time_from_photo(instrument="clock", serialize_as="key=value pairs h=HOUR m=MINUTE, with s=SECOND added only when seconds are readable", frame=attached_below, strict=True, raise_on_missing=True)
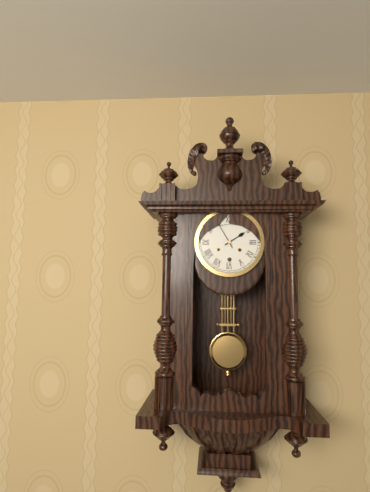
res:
h=1 m=55
